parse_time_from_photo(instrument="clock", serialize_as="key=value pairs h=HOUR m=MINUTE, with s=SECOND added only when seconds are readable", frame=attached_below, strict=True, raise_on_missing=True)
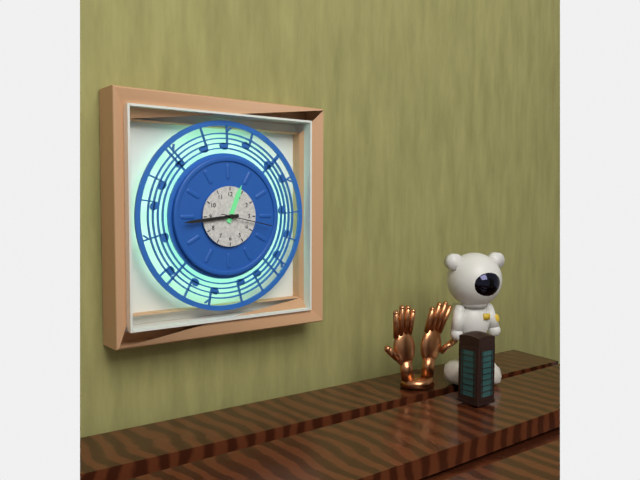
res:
h=12 m=44 s=17
